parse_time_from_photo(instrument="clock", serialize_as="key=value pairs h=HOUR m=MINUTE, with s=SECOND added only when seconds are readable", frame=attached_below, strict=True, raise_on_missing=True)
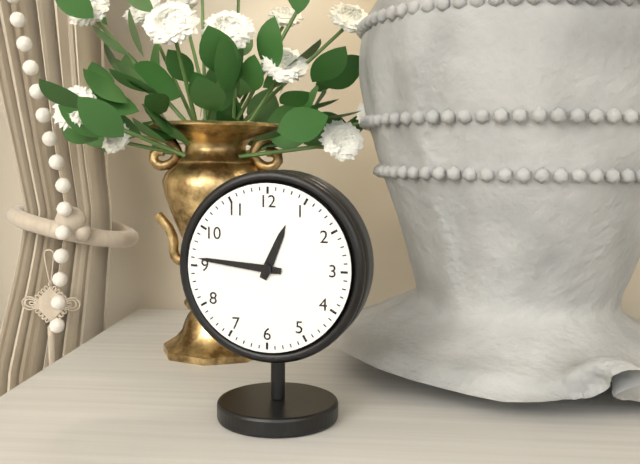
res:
h=12 m=46
